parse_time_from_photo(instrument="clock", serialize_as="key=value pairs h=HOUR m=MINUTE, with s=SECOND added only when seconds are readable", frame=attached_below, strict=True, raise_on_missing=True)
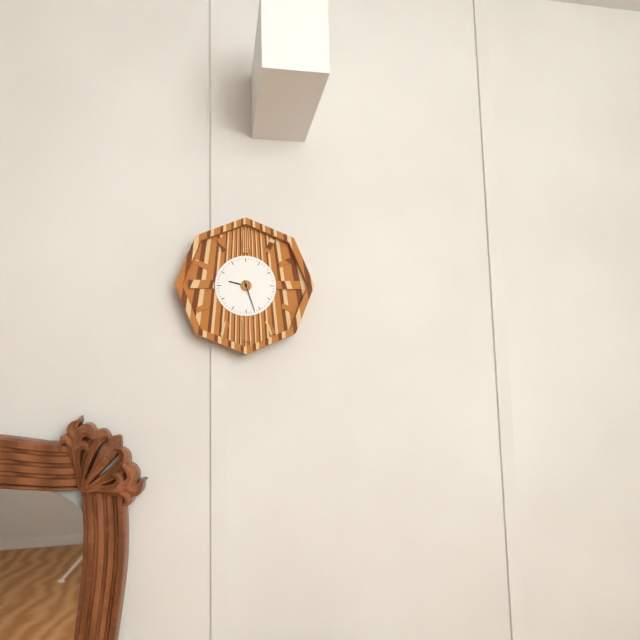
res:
h=9 m=27
